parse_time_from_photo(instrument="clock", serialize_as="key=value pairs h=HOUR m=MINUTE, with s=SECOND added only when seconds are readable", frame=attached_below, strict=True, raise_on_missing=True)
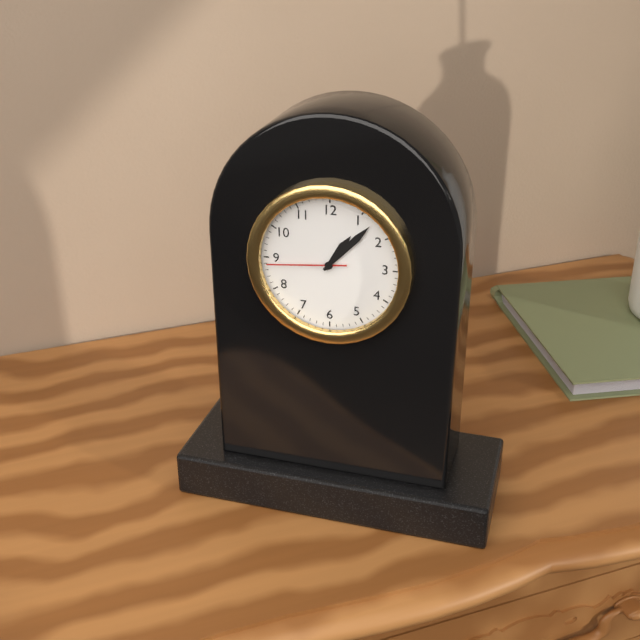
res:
h=1 m=7 s=44
